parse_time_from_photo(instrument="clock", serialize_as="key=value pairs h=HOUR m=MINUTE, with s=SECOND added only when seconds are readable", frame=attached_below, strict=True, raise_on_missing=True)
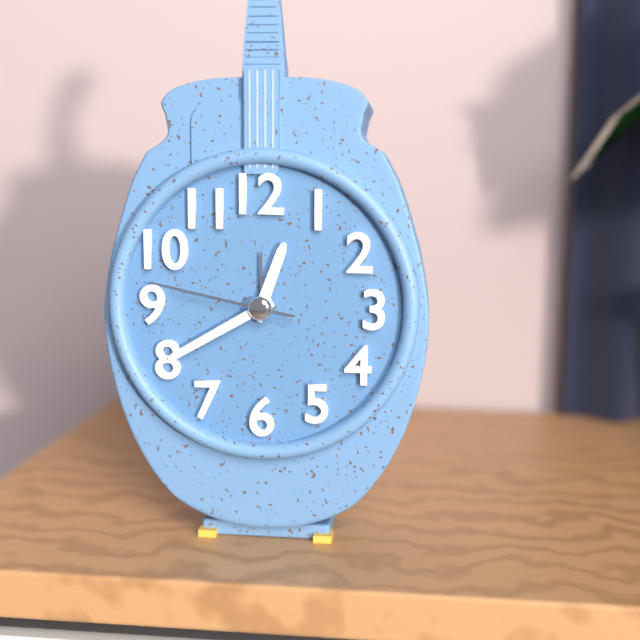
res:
h=12 m=40 s=47
